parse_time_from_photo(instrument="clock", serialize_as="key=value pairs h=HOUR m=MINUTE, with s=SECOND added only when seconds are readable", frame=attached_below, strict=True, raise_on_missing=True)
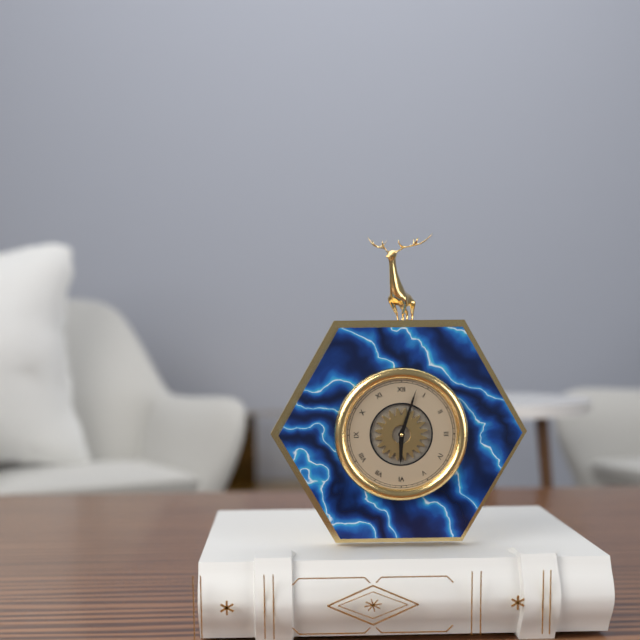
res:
h=6 m=3
